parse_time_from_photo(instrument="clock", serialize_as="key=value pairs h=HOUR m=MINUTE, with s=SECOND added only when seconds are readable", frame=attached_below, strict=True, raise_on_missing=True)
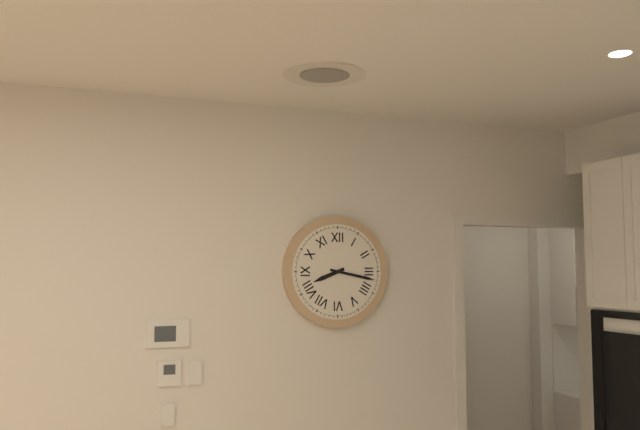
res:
h=8 m=17
